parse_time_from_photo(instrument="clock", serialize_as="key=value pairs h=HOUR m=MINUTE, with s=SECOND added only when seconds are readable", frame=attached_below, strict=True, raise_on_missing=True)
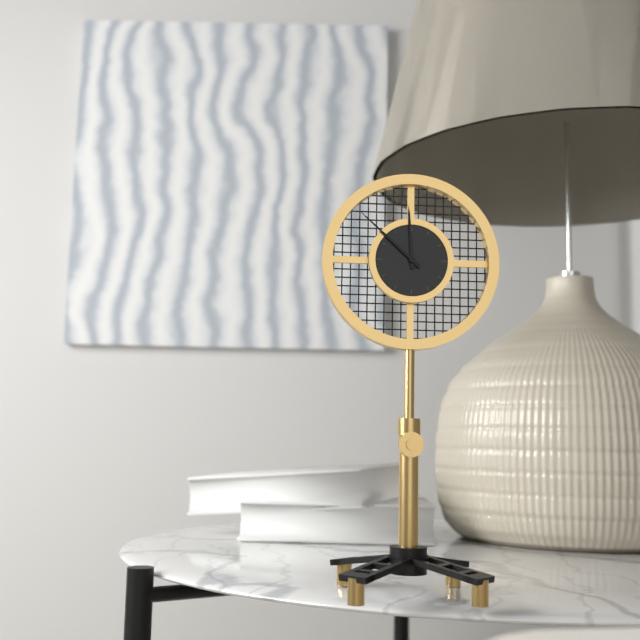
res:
h=11 m=52
